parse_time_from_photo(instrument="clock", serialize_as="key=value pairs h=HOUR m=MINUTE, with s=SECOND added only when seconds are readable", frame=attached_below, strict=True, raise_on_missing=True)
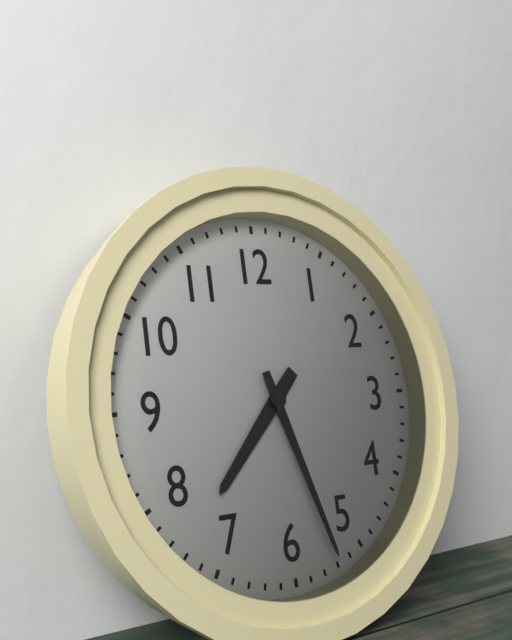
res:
h=7 m=27
